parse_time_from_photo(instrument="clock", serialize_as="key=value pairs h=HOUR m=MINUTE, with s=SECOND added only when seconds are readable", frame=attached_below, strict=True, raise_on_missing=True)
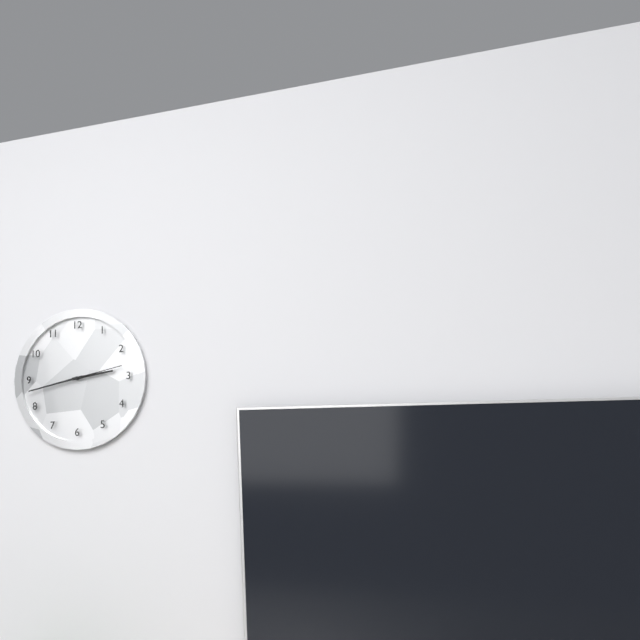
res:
h=2 m=43 s=13
